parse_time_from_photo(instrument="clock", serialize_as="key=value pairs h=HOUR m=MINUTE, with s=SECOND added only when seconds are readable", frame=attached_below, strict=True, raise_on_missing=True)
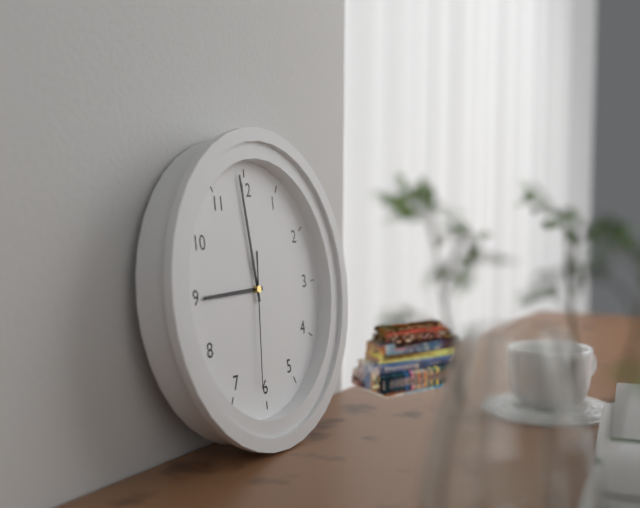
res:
h=8 m=59 s=31
